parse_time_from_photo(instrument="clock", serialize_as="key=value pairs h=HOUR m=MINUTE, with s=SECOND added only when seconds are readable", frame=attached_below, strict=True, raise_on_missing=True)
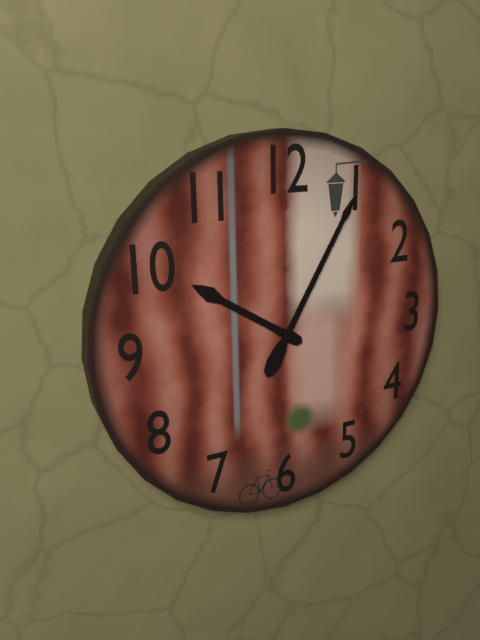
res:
h=10 m=5
